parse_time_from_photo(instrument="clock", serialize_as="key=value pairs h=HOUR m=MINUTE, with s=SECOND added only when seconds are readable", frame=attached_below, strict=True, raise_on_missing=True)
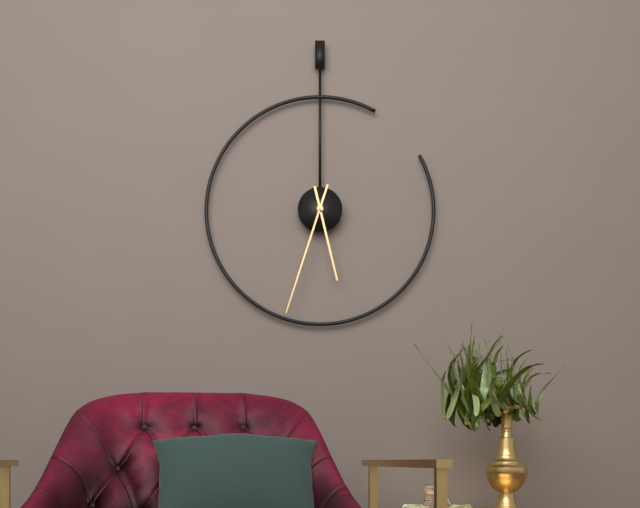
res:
h=5 m=33
